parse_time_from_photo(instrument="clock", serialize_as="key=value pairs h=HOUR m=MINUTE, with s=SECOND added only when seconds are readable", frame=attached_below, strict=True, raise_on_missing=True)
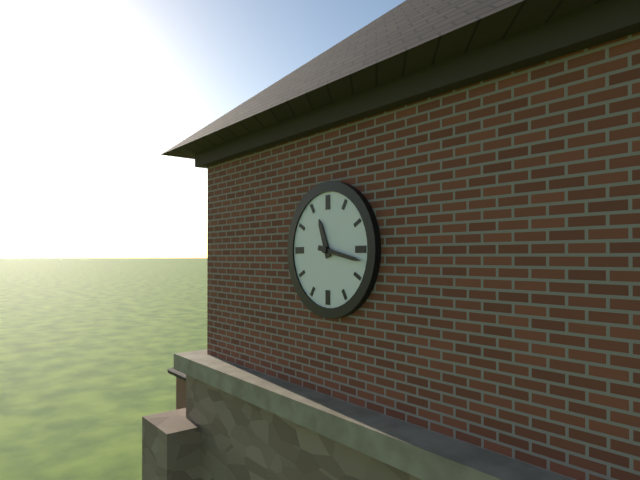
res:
h=11 m=17
